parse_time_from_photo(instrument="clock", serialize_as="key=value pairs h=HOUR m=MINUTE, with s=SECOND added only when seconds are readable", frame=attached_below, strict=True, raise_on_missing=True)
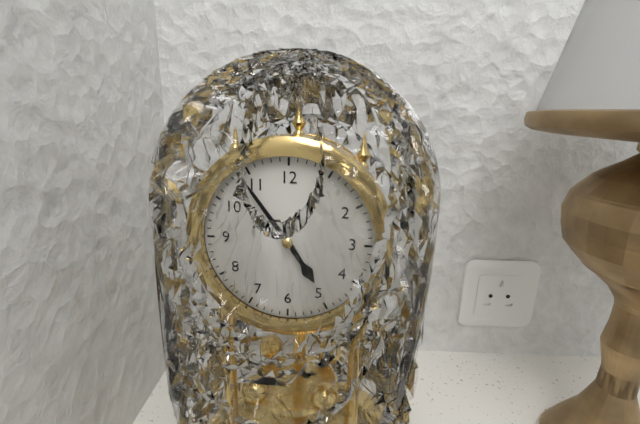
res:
h=4 m=54
